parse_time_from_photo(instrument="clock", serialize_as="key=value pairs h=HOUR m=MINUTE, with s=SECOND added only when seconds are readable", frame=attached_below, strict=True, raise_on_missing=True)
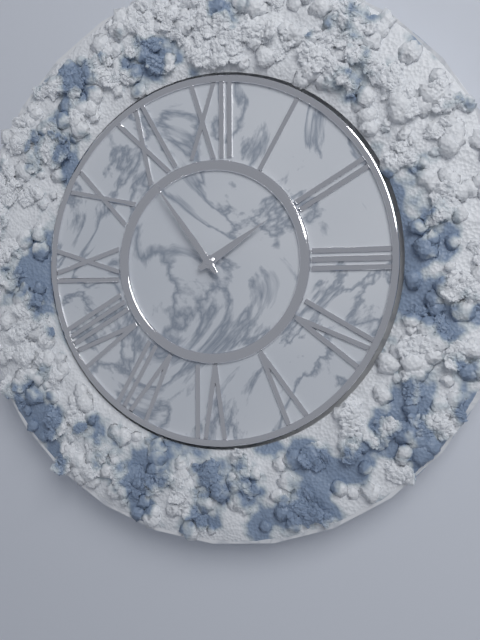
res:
h=1 m=54
